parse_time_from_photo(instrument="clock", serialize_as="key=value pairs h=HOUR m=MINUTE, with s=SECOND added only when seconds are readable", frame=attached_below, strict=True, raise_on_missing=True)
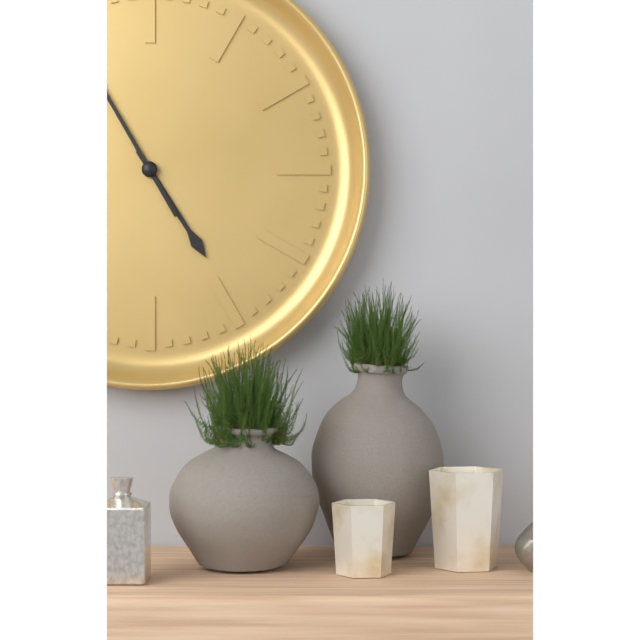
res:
h=4 m=55
